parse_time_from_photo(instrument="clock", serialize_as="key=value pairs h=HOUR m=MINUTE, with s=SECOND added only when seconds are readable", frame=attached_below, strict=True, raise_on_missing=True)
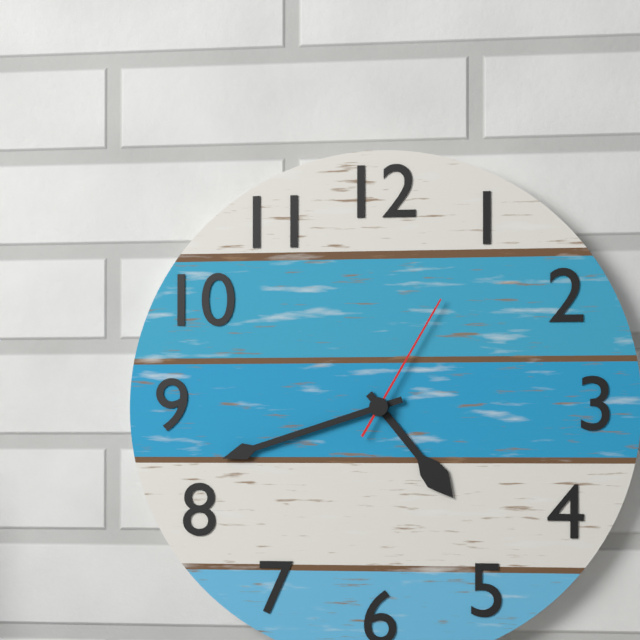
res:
h=4 m=42 s=5
